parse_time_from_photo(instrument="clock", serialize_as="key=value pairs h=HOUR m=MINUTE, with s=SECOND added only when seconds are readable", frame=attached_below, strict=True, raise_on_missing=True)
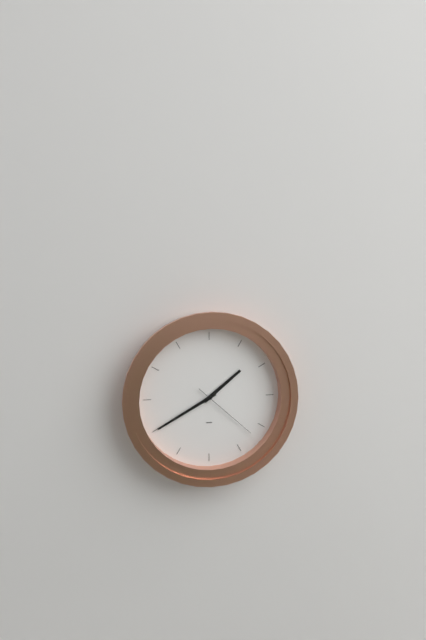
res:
h=1 m=40 s=22
